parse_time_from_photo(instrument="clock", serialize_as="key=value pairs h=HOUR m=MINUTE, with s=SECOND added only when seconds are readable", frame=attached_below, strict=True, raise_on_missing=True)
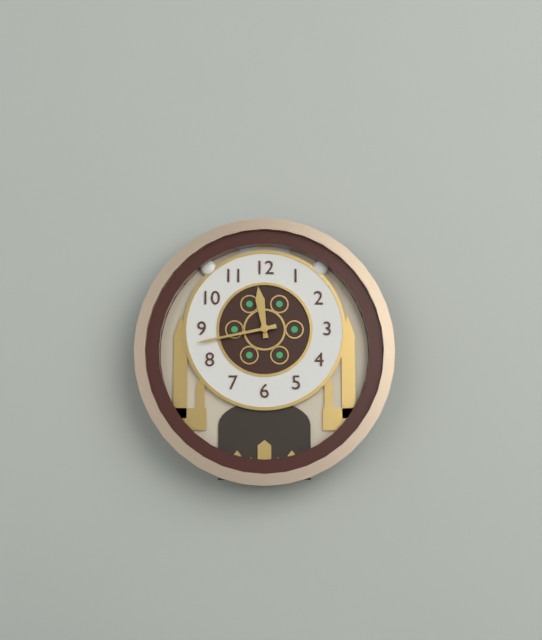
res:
h=11 m=43
